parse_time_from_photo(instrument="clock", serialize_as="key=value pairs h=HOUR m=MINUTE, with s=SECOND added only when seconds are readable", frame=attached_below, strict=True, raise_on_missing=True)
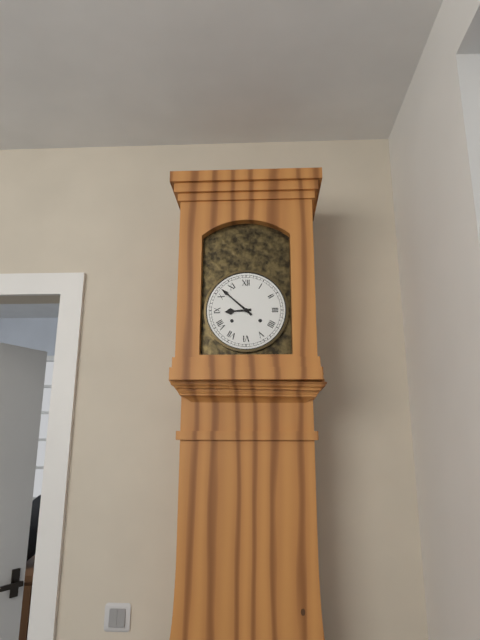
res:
h=8 m=52
